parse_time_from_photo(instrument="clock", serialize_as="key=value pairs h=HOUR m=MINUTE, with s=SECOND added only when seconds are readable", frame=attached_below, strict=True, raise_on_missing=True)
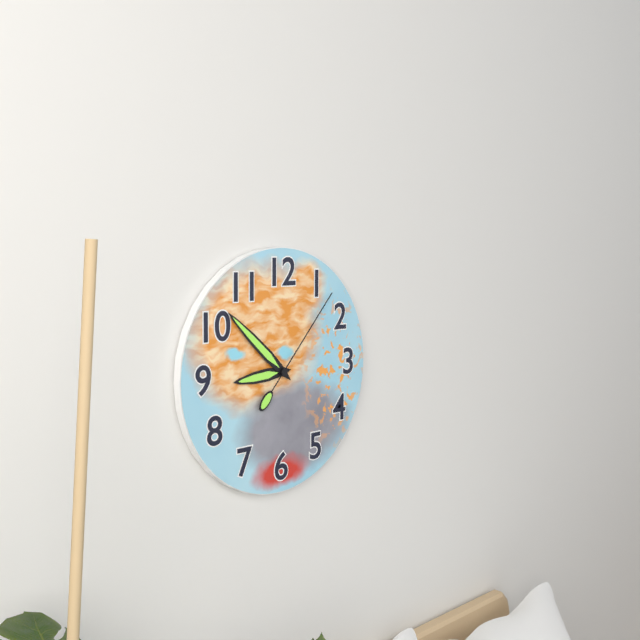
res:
h=8 m=52 s=7
